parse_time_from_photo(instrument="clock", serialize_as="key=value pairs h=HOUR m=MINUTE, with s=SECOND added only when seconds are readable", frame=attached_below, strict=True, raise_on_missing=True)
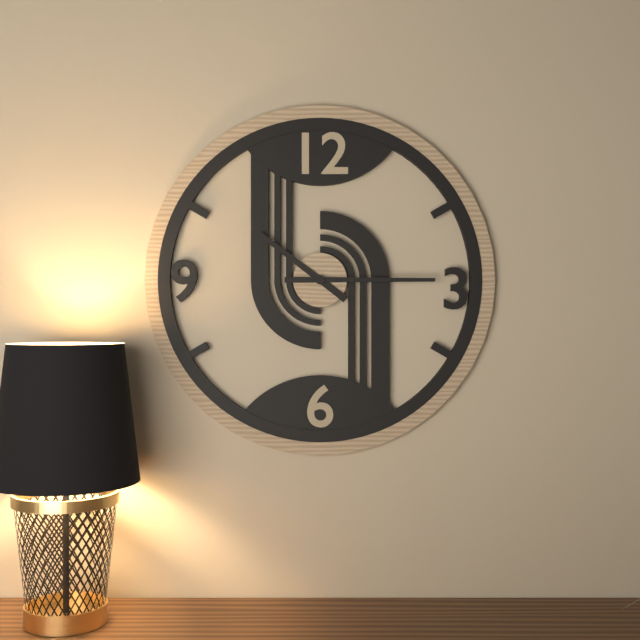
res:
h=10 m=15
